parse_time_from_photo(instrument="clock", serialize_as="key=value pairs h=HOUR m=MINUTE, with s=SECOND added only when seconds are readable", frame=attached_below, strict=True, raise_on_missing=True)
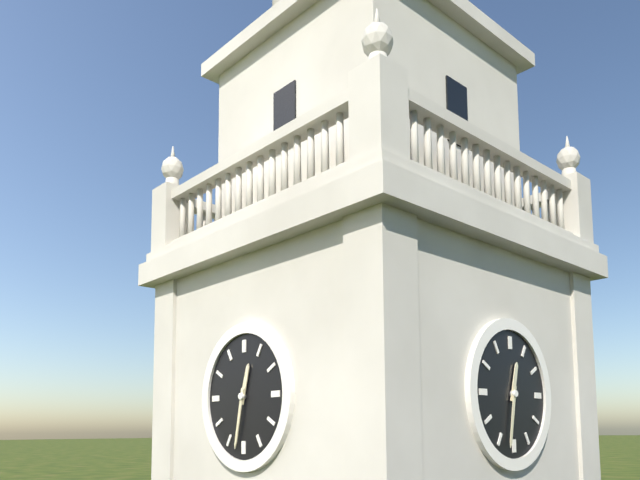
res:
h=12 m=32
